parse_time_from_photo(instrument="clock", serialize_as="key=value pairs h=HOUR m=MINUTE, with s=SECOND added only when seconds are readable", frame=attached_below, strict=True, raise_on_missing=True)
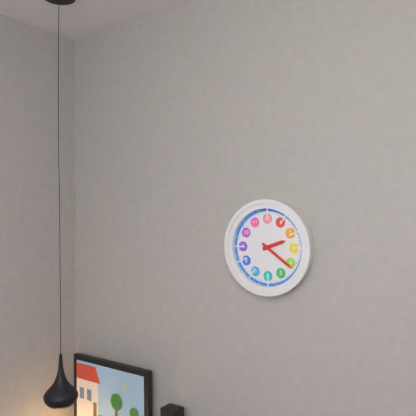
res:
h=2 m=21
